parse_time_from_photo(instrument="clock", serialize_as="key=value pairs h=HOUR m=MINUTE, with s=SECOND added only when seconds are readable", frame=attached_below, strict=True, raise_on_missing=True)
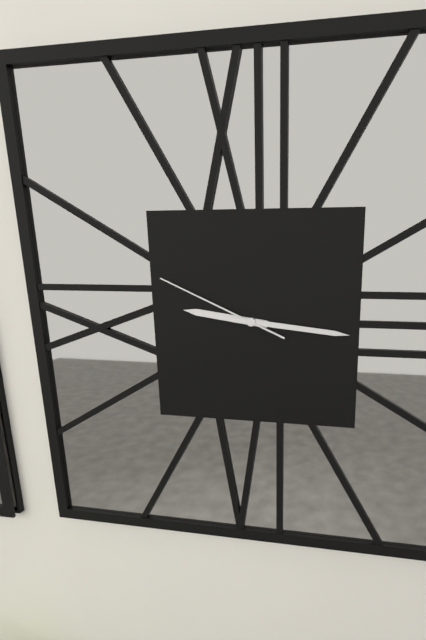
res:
h=9 m=16 s=49
